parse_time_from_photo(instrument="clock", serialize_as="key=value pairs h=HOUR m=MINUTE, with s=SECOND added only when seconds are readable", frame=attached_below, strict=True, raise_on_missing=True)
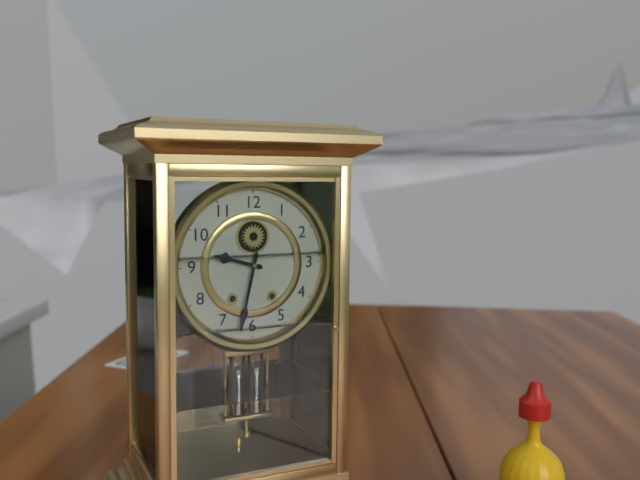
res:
h=9 m=32
